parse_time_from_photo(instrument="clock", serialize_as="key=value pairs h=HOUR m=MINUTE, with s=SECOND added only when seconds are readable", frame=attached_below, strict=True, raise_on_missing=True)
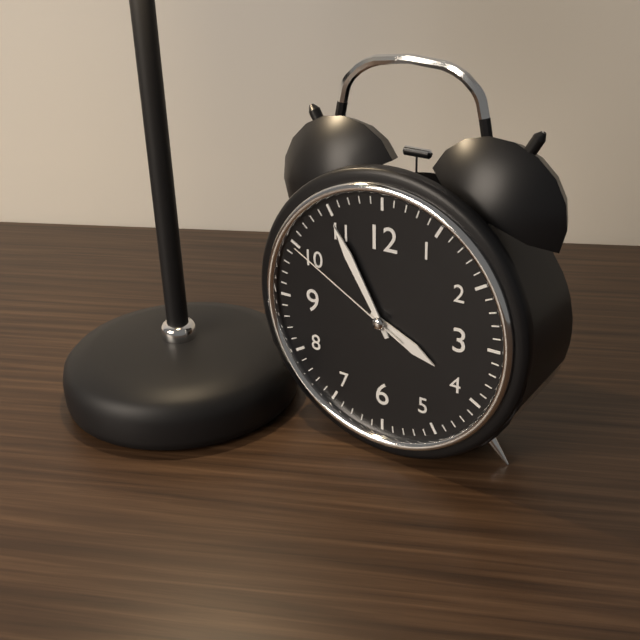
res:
h=3 m=55 s=50
